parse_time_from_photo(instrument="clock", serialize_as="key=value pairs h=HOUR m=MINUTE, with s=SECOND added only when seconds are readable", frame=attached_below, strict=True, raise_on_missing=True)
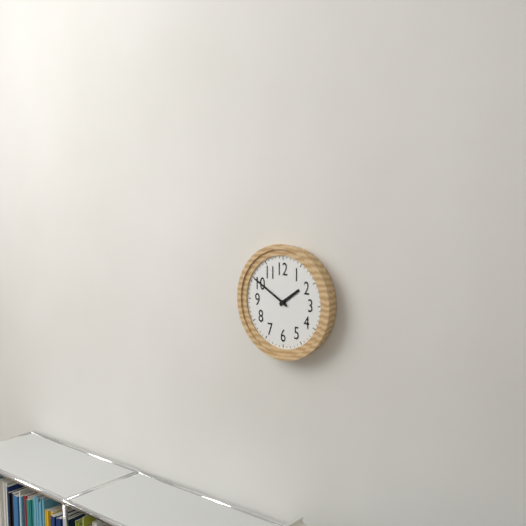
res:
h=1 m=50
